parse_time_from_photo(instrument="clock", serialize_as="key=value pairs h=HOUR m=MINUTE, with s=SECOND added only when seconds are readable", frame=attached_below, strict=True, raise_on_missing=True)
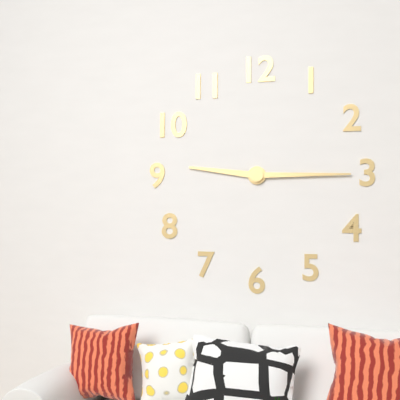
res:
h=9 m=15
